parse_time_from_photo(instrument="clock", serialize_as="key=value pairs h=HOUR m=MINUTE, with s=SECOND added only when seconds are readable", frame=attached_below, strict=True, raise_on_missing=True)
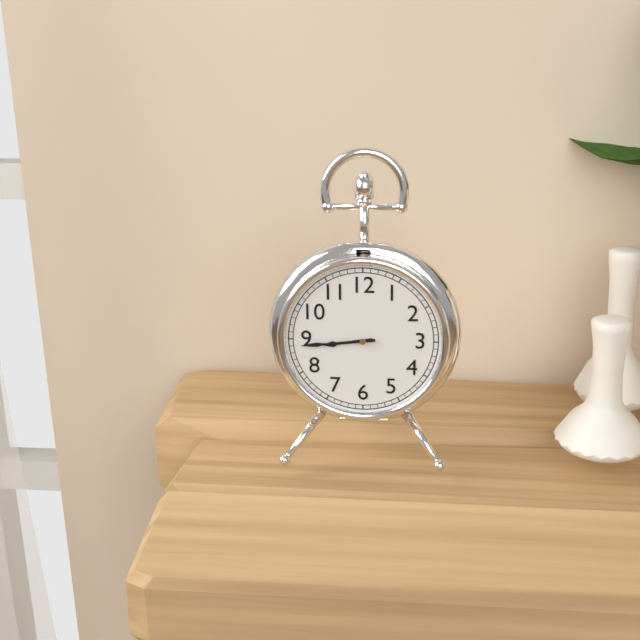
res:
h=8 m=44
